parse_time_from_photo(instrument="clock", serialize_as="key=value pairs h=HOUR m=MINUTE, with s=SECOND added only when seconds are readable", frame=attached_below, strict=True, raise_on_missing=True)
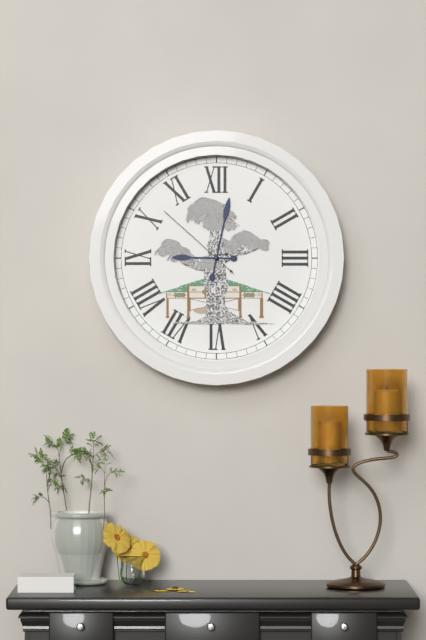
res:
h=9 m=2 s=52
